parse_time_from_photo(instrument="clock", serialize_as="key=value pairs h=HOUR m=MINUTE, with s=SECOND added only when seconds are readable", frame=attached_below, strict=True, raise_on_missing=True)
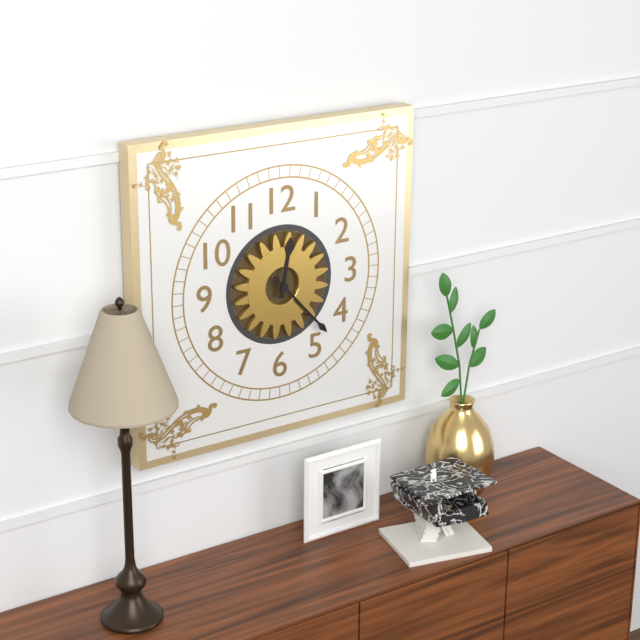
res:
h=12 m=23
